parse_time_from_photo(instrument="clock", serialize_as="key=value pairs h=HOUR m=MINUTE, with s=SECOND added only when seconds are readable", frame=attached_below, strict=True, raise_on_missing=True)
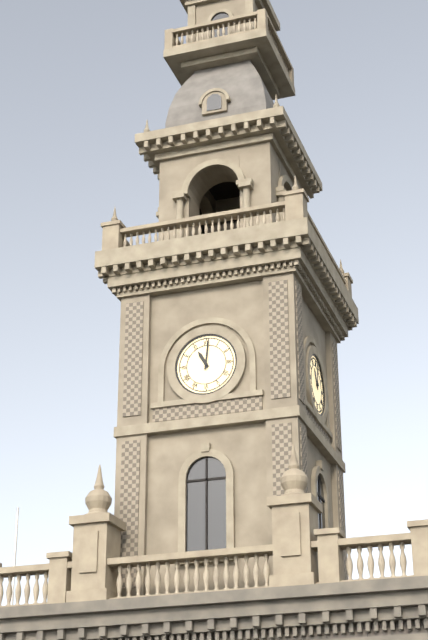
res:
h=11 m=1
